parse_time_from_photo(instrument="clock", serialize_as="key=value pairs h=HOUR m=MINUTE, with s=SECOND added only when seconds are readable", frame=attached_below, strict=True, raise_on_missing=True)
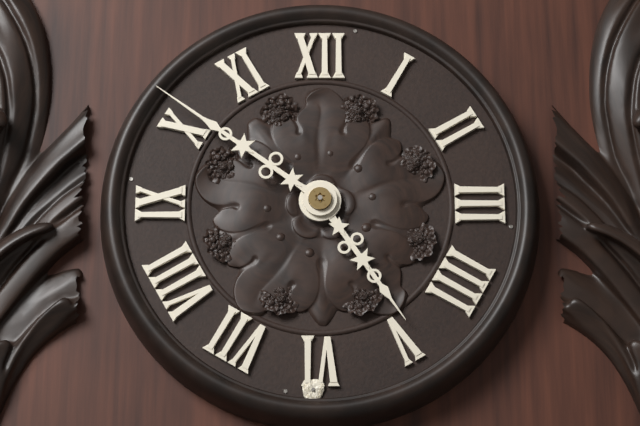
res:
h=4 m=51
